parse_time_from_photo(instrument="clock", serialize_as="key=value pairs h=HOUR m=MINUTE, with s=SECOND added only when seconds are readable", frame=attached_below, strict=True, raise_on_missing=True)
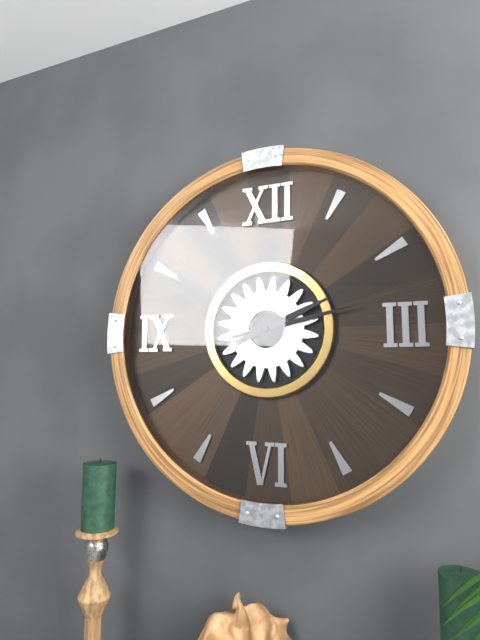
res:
h=2 m=13
